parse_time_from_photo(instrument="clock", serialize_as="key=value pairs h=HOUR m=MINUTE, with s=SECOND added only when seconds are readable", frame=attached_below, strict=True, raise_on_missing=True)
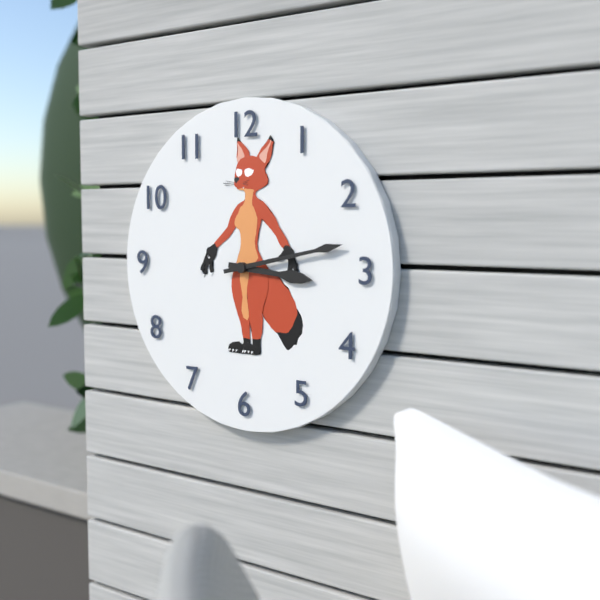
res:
h=3 m=13
